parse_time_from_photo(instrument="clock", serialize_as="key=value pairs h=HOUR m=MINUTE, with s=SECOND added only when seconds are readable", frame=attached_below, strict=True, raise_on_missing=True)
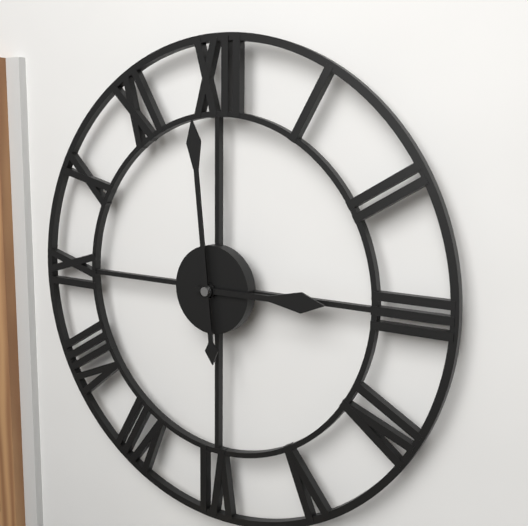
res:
h=2 m=59
